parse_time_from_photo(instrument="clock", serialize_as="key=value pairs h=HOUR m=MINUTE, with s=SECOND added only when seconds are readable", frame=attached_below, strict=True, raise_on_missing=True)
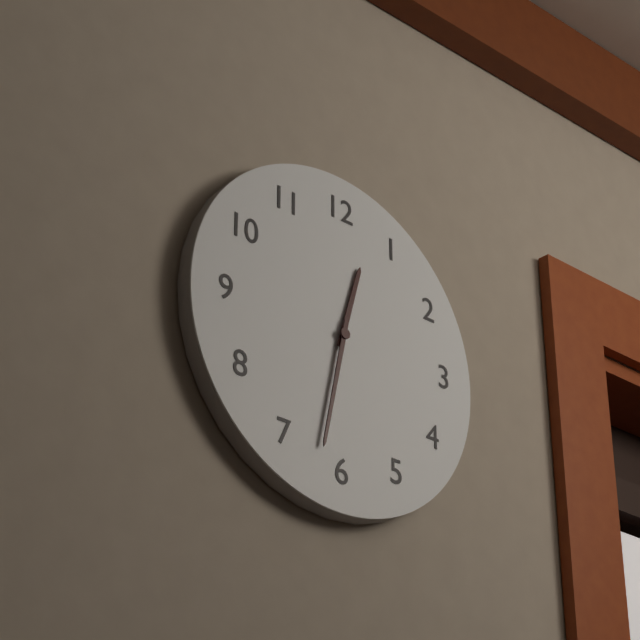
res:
h=12 m=32
